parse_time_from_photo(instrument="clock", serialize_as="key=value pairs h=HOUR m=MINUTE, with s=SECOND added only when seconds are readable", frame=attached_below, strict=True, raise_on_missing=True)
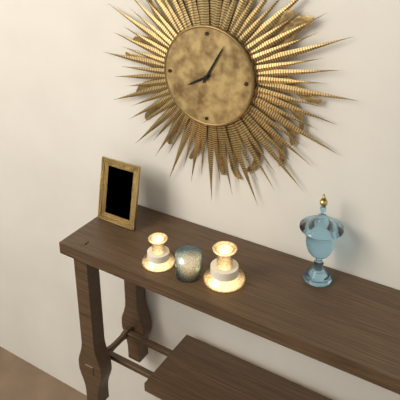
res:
h=8 m=5
